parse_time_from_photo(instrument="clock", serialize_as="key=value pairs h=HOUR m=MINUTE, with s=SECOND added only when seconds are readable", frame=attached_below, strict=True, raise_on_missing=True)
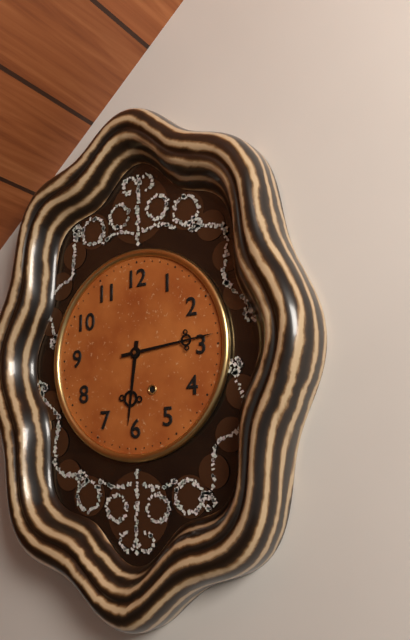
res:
h=6 m=14
